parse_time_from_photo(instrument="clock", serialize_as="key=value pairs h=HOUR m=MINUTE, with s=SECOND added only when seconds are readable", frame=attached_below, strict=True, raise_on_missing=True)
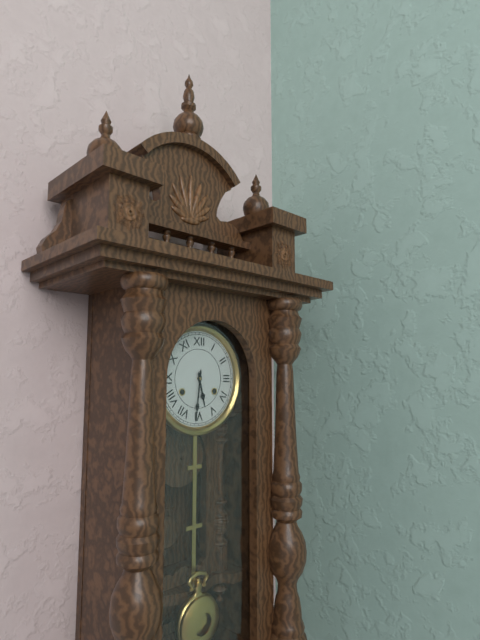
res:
h=5 m=31
